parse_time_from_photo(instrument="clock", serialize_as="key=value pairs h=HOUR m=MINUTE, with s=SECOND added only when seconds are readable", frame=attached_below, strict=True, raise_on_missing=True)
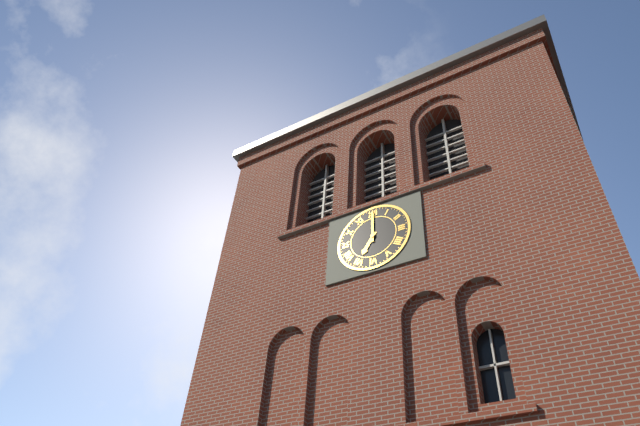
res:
h=7 m=0
